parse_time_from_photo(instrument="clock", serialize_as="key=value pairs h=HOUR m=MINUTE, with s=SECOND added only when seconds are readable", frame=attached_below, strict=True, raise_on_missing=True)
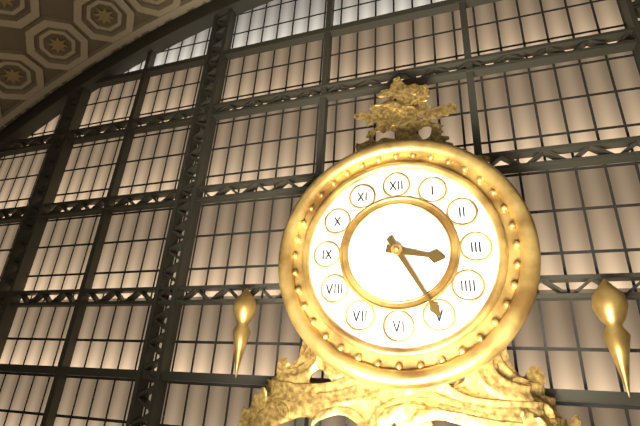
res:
h=3 m=25
